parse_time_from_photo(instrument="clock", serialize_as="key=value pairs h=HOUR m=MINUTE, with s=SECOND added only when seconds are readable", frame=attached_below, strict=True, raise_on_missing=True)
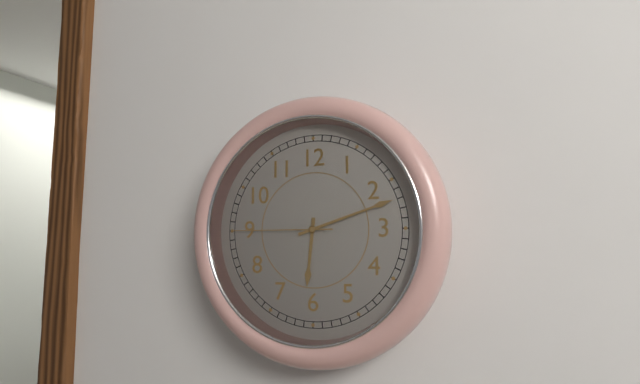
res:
h=6 m=12 s=45
